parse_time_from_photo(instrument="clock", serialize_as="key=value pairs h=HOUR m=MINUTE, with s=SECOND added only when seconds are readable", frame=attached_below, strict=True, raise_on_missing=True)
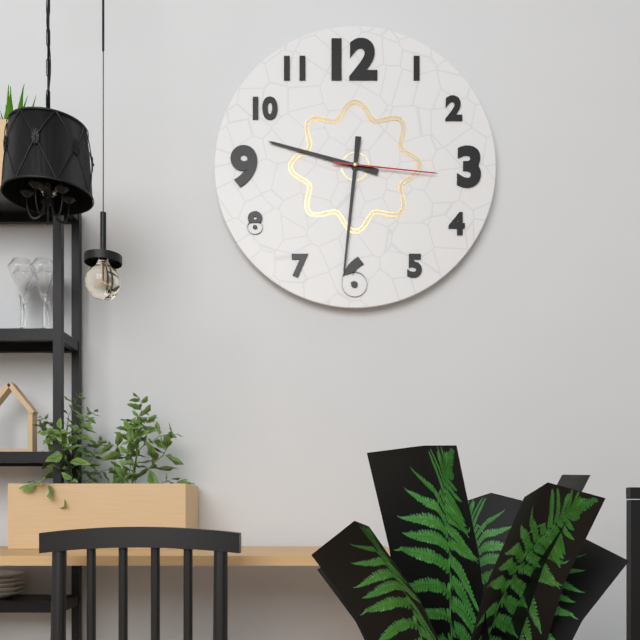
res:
h=9 m=31 s=16
